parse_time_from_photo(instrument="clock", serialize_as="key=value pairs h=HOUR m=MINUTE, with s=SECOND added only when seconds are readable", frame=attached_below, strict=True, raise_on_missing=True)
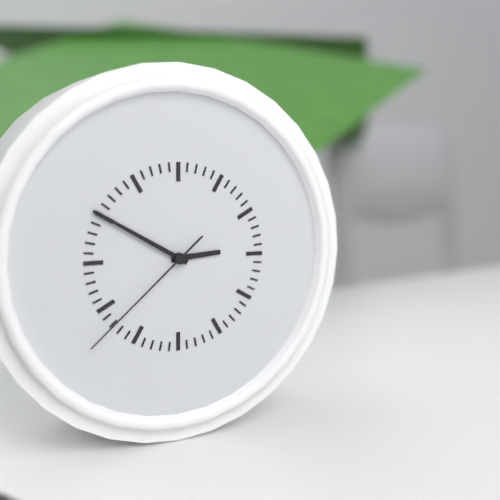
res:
h=2 m=50 s=38
